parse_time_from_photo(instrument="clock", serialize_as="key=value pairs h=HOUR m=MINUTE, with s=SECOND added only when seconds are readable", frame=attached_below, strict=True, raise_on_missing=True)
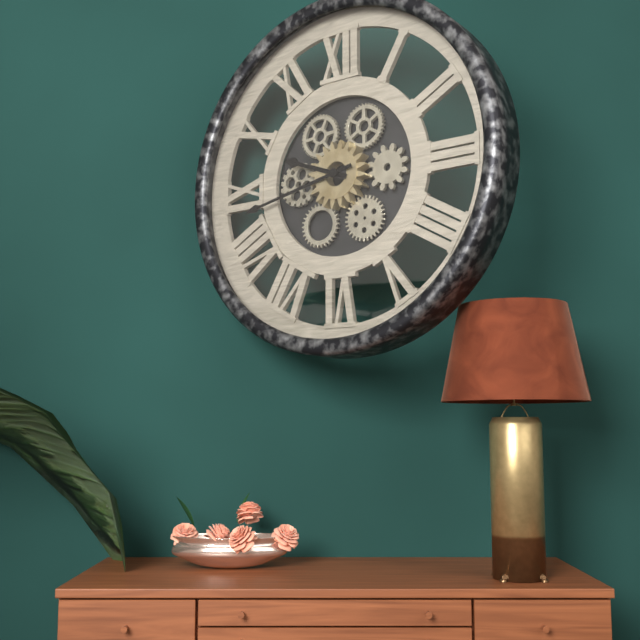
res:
h=9 m=43
